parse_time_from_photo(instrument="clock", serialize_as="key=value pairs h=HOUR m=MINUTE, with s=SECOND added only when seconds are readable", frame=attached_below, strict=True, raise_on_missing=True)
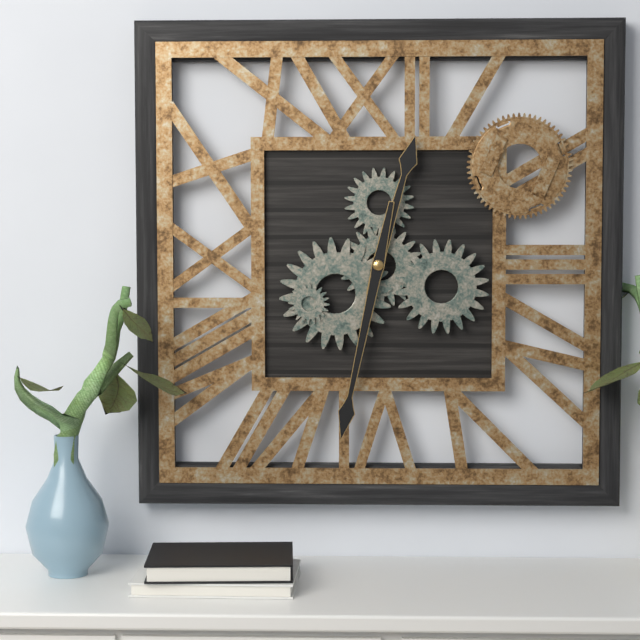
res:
h=12 m=32
